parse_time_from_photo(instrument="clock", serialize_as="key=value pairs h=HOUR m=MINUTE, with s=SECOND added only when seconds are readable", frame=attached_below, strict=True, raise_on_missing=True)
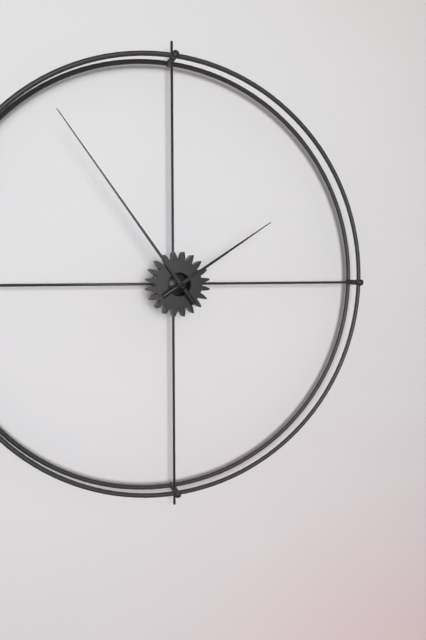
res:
h=1 m=54
